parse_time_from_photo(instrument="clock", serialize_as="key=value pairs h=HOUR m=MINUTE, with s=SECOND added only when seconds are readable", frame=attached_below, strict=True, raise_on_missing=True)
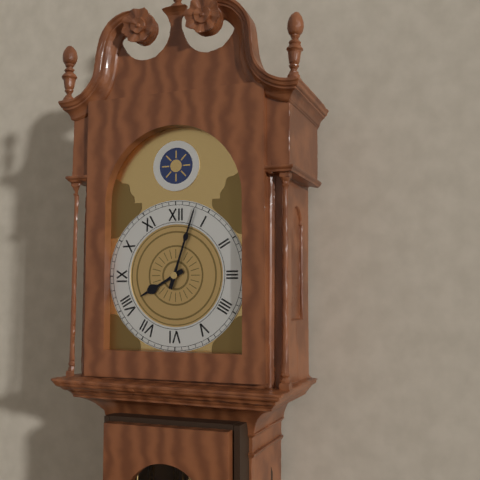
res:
h=8 m=3
